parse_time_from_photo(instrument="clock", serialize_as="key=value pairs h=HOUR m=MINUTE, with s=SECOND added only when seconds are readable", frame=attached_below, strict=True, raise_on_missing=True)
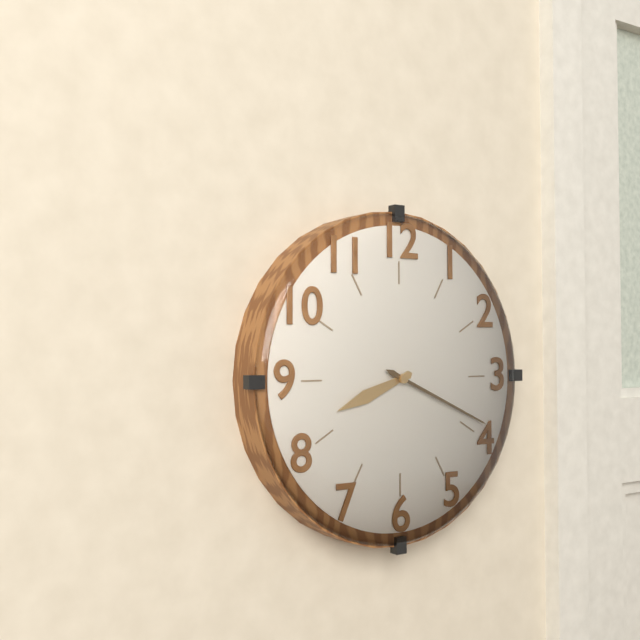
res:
h=8 m=19
